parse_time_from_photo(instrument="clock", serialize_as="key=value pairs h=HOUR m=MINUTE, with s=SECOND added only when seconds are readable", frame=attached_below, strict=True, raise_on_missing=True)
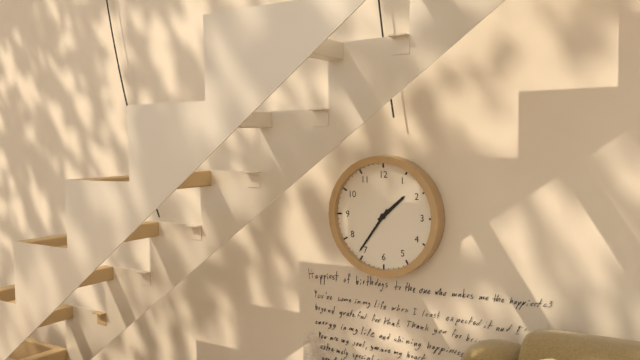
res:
h=1 m=36
